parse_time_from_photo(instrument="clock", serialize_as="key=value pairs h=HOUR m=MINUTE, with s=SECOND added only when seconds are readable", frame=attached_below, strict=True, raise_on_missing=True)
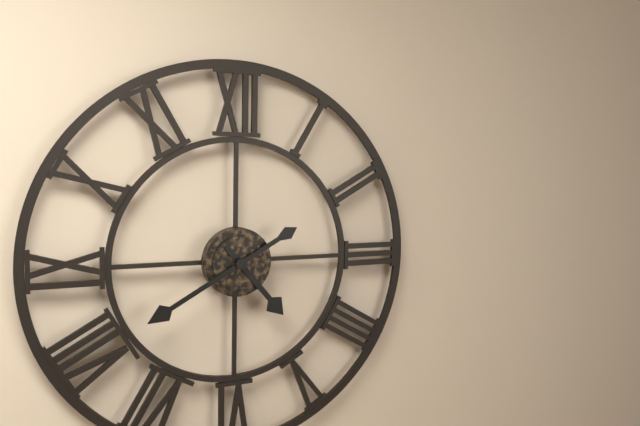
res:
h=4 m=40
